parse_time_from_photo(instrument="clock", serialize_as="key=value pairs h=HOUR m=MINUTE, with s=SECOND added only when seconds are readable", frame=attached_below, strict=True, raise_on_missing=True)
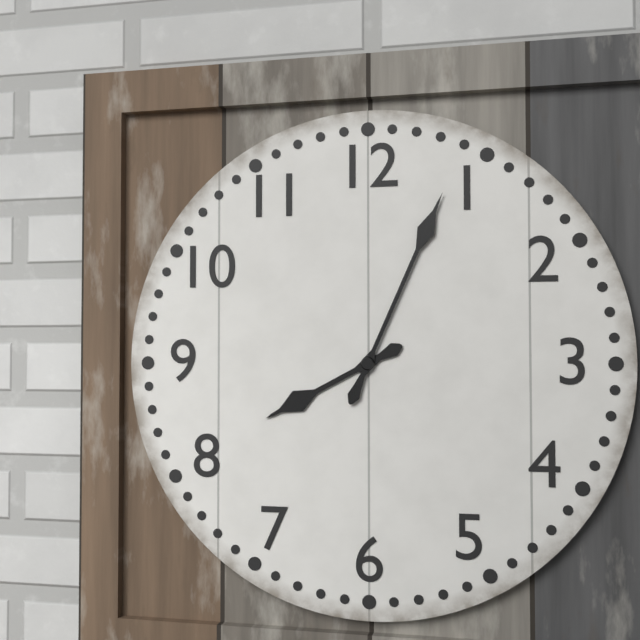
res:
h=8 m=4
